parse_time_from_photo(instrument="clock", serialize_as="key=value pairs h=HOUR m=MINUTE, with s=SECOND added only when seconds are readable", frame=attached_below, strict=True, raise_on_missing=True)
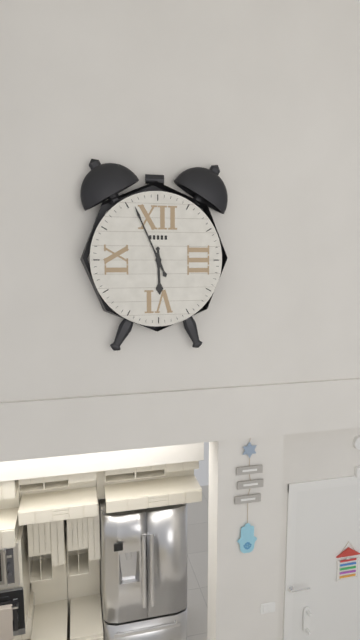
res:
h=5 m=56
